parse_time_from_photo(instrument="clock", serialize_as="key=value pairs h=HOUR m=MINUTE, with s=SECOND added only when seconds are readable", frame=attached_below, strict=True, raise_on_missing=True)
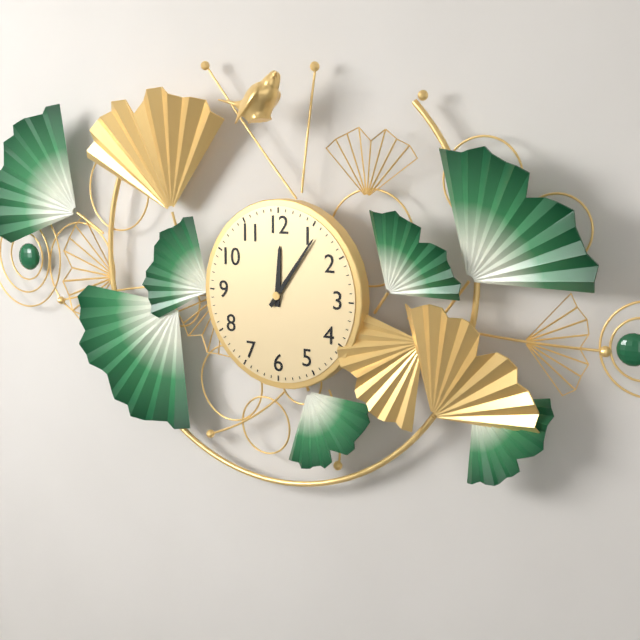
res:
h=12 m=6
